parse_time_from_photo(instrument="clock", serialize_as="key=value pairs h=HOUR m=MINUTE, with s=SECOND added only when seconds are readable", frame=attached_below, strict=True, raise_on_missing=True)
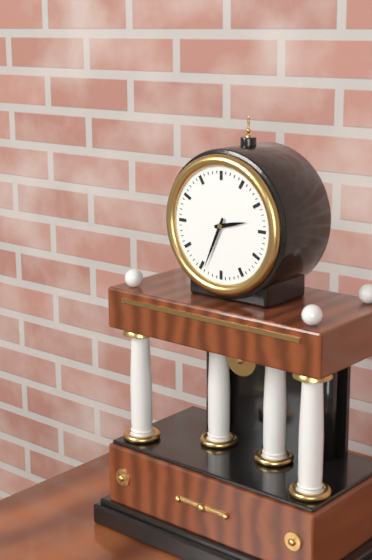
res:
h=2 m=34
